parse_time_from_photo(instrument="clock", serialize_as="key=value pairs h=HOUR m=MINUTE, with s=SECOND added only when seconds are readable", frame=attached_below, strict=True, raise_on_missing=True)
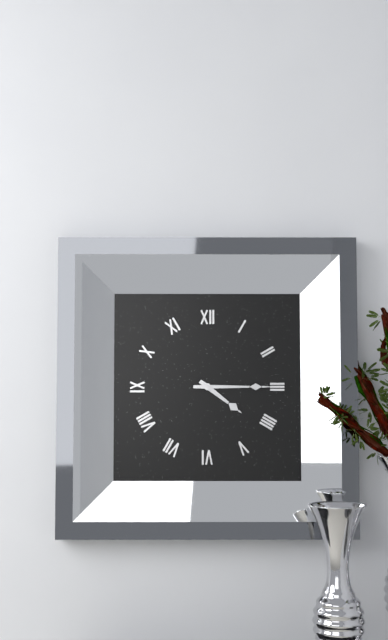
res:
h=4 m=15
